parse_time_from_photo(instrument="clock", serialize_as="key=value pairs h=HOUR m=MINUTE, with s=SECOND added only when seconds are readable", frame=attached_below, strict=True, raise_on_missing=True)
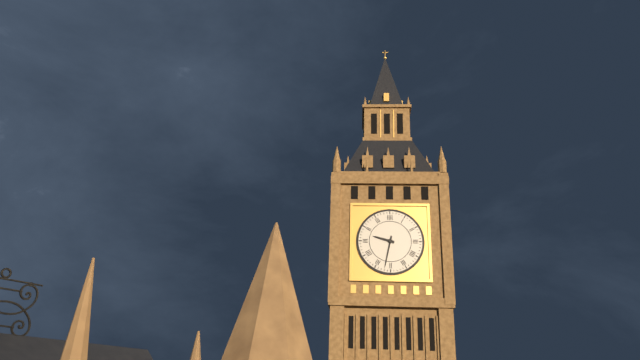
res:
h=9 m=32
